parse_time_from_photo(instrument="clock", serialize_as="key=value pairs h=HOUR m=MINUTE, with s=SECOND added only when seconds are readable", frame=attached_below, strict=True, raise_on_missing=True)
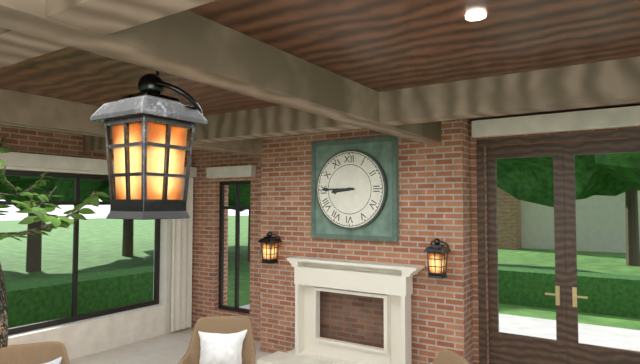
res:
h=8 m=45
